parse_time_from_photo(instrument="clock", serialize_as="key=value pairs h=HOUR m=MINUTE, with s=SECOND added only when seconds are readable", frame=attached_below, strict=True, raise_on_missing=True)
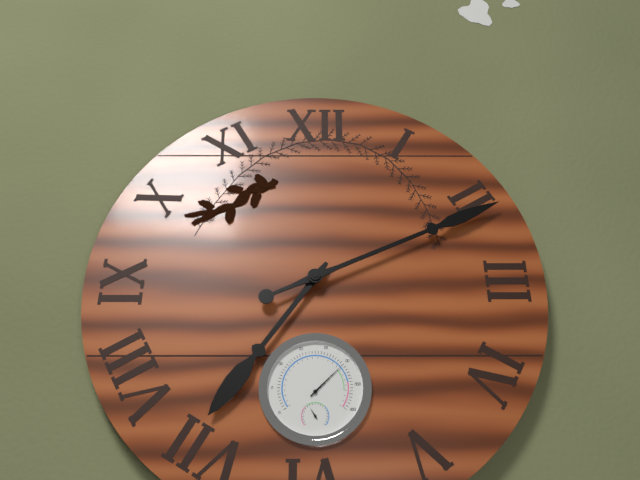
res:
h=7 m=11
